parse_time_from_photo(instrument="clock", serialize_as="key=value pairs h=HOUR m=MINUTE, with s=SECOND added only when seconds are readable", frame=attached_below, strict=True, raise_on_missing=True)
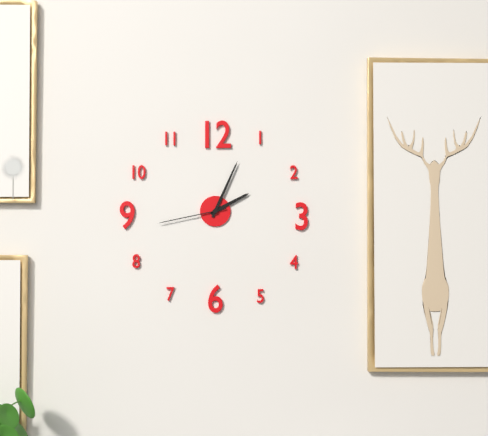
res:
h=2 m=4 s=43
